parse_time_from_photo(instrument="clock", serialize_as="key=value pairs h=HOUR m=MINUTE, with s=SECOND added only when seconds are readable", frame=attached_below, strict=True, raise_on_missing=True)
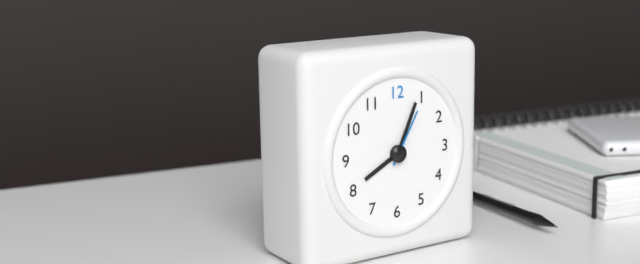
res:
h=8 m=4 s=5
